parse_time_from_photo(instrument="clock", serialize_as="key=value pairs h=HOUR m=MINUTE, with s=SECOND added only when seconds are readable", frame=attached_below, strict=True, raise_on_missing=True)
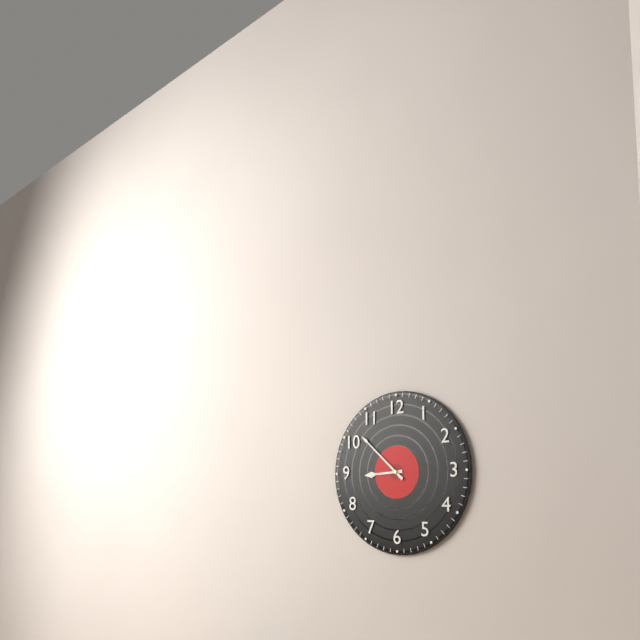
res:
h=8 m=52
